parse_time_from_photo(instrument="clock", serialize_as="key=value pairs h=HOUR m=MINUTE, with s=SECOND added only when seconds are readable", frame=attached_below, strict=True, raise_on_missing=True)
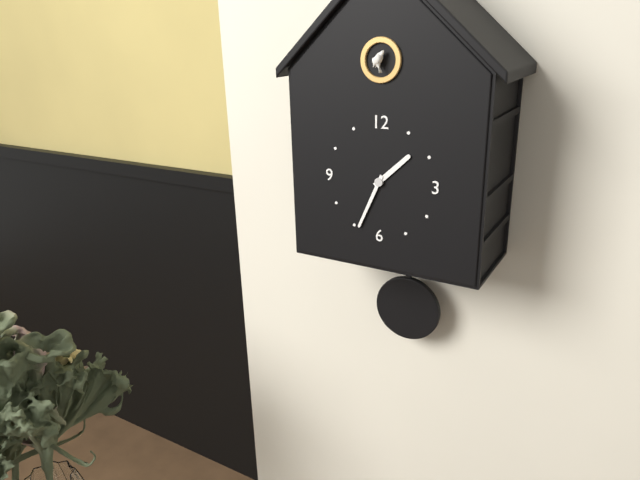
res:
h=1 m=34
